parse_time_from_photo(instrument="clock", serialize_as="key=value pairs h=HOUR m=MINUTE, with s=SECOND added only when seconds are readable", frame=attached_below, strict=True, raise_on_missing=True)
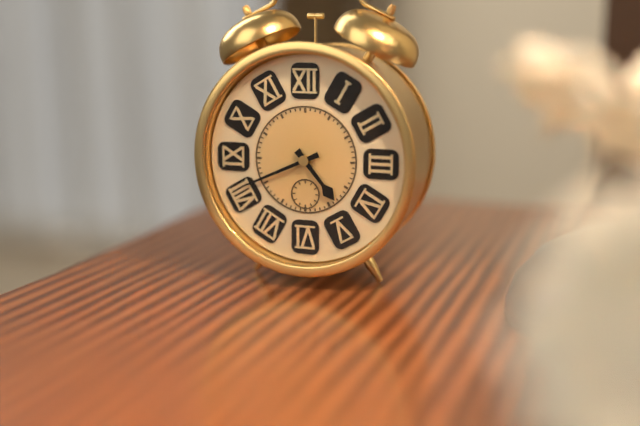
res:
h=4 m=41
